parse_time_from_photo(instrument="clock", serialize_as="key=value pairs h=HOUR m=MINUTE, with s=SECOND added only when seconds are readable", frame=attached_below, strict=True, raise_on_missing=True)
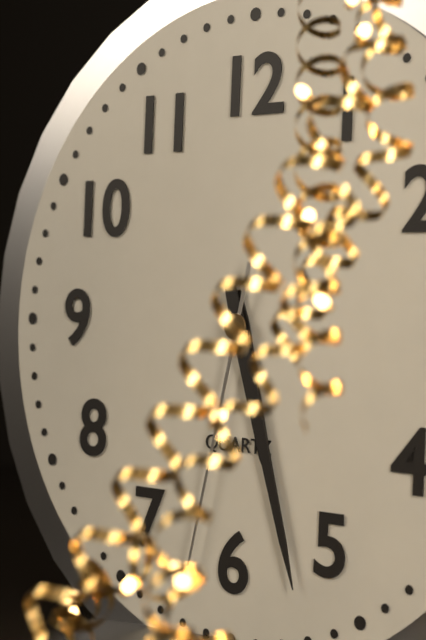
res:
h=5 m=27 s=32
